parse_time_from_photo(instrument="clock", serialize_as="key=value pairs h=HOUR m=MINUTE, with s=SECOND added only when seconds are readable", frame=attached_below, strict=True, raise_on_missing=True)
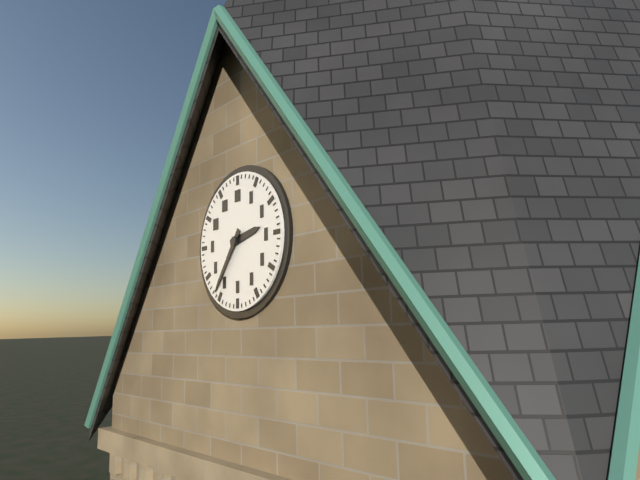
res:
h=2 m=36
